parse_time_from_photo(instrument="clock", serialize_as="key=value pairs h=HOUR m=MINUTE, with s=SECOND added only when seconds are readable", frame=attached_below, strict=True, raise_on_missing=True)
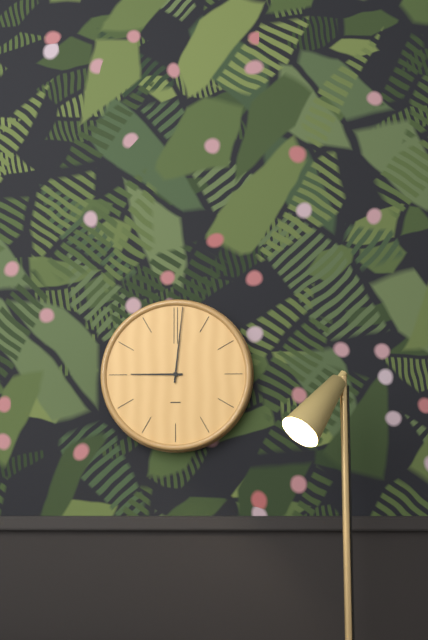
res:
h=9 m=1
